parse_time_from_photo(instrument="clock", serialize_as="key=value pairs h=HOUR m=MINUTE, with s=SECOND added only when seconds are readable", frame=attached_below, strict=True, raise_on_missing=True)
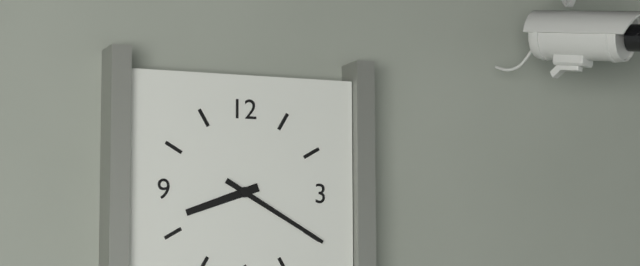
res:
h=8 m=20
